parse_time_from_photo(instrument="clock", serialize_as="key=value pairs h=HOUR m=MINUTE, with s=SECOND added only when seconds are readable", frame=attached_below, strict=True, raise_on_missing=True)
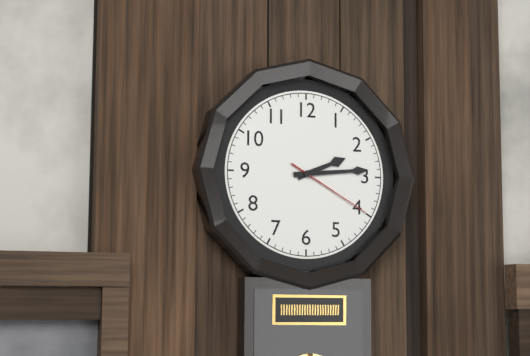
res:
h=2 m=14 s=20
